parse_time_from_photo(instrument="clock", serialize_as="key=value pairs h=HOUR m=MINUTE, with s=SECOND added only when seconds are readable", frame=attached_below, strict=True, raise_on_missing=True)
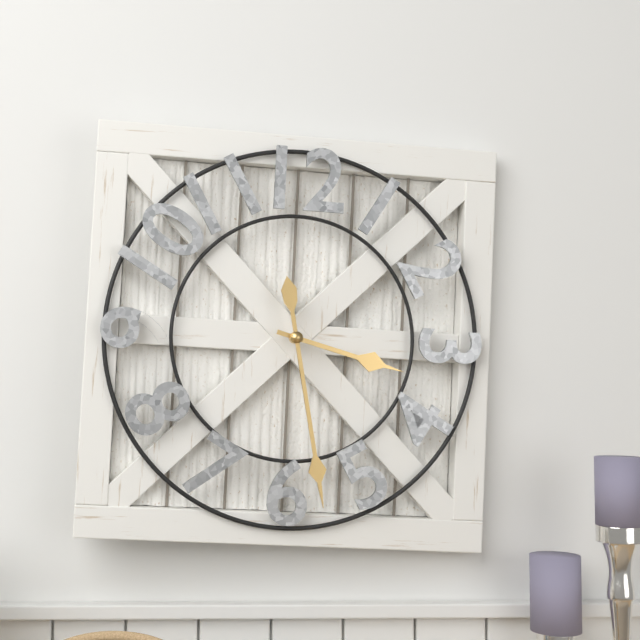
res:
h=3 m=28
